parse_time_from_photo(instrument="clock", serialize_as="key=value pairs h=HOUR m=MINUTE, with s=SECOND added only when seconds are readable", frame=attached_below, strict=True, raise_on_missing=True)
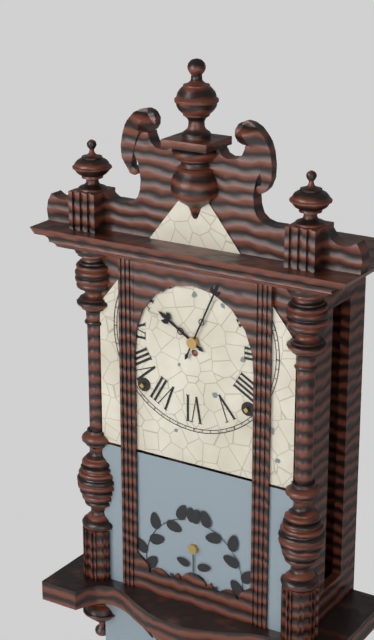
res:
h=10 m=4
